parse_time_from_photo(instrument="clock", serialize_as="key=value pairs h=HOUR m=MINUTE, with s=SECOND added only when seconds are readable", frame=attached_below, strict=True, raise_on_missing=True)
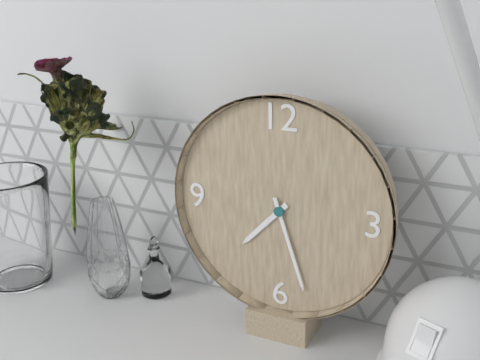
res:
h=7 m=27
